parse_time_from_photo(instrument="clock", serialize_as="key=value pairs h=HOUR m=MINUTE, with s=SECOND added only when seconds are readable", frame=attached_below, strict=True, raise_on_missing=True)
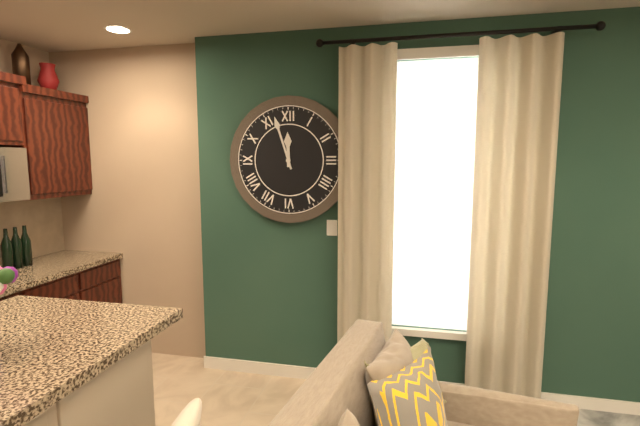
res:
h=11 m=57
